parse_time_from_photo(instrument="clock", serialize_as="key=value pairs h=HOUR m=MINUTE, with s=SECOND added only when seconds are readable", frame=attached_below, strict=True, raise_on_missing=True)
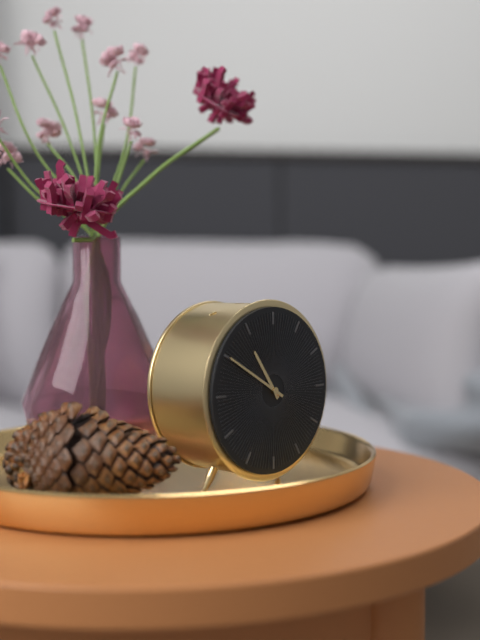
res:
h=10 m=50
